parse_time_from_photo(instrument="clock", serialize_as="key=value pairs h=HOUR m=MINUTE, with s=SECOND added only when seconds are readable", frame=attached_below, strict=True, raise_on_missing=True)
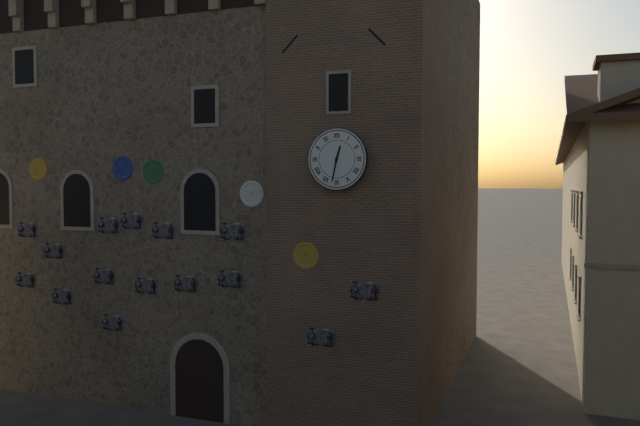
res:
h=12 m=32
